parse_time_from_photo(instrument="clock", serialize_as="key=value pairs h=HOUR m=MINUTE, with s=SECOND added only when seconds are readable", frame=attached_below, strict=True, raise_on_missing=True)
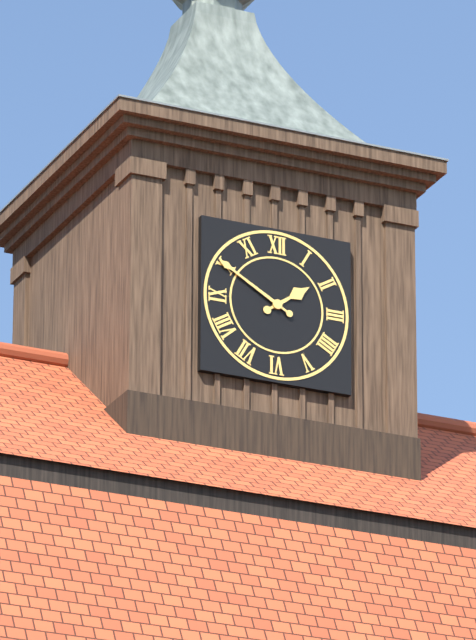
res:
h=1 m=50
